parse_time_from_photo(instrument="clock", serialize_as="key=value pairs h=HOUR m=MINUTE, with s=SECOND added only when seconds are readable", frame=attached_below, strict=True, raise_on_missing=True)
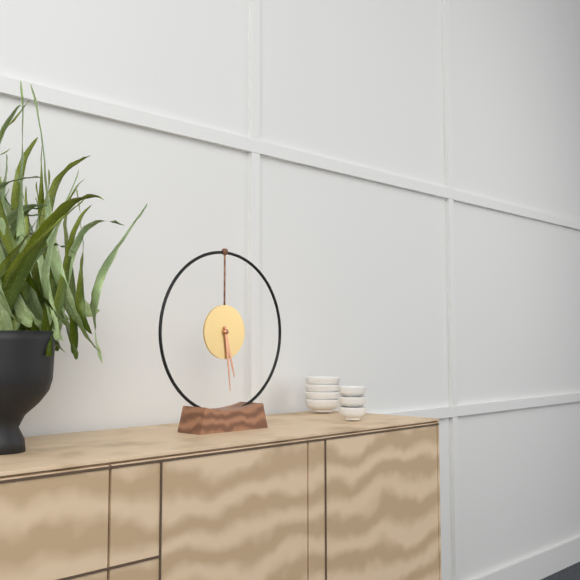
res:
h=5 m=29
